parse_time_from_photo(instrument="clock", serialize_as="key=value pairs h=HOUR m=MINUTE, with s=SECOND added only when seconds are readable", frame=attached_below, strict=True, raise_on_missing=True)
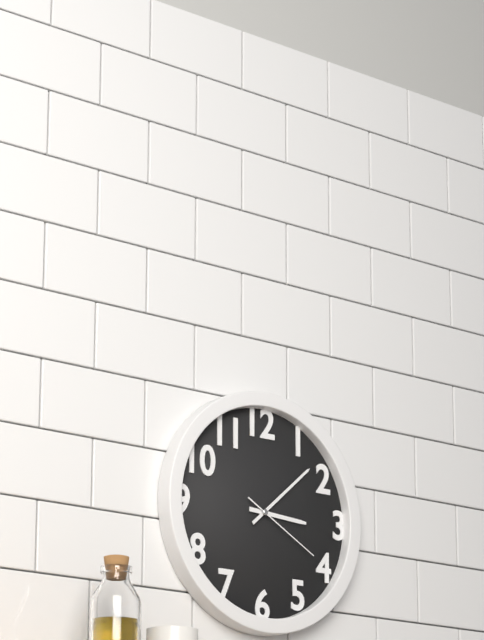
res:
h=3 m=8 s=20
